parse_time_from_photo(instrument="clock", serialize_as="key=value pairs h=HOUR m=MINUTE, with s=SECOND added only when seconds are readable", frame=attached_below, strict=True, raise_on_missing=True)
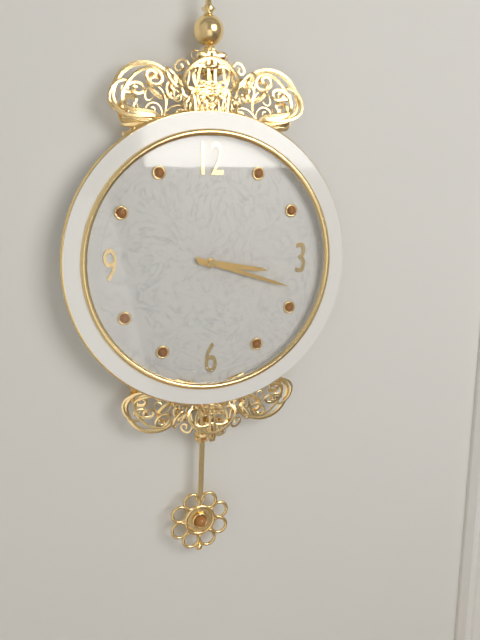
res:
h=3 m=18
